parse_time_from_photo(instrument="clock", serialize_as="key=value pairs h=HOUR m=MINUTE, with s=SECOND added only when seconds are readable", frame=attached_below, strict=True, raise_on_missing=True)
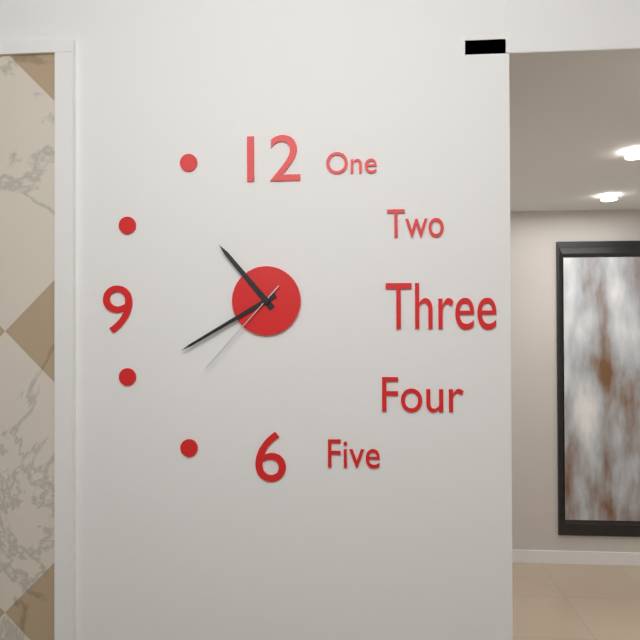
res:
h=10 m=40 s=37
